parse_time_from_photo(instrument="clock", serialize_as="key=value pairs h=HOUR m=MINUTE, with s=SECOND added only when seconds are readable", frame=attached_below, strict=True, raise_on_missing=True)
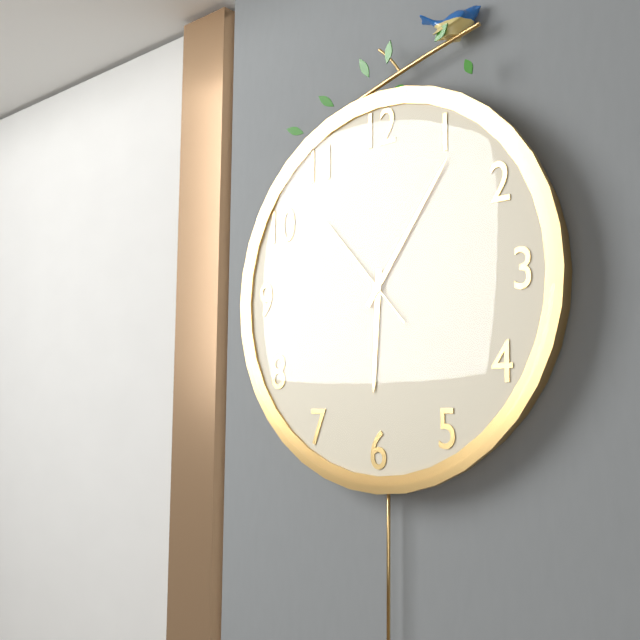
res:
h=6 m=6 s=53
